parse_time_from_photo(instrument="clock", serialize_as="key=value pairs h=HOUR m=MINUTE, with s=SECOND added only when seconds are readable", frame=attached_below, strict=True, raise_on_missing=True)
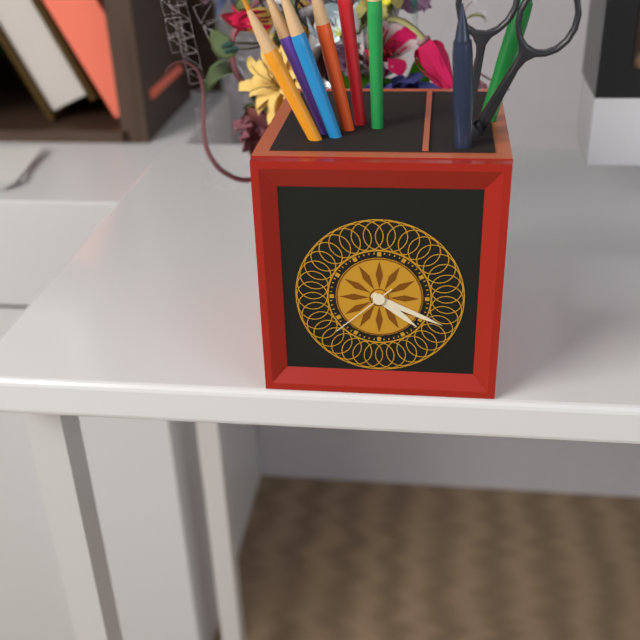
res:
h=4 m=19 s=38
